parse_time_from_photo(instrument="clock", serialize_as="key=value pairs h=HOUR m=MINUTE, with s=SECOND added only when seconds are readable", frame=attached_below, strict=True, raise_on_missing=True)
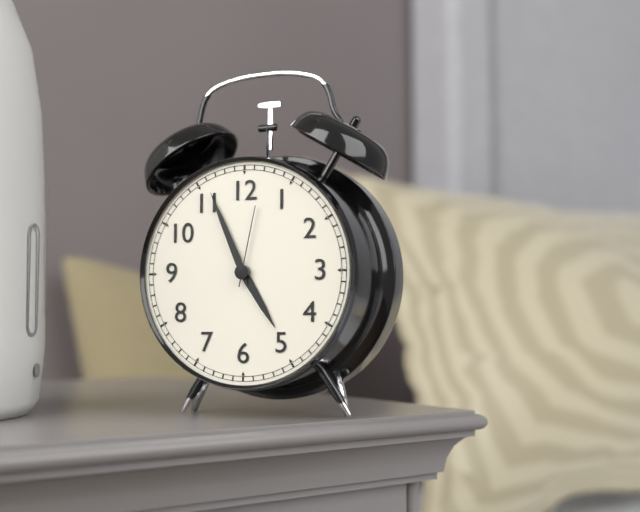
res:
h=4 m=56 s=2
